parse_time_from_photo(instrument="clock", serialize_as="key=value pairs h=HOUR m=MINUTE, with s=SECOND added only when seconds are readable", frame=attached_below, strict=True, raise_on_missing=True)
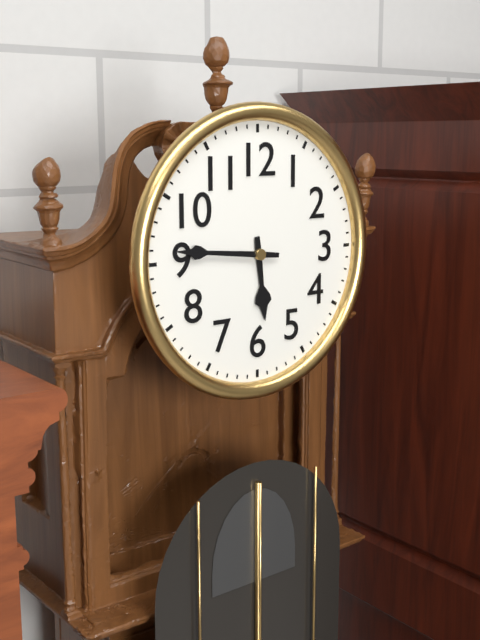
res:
h=5 m=46
